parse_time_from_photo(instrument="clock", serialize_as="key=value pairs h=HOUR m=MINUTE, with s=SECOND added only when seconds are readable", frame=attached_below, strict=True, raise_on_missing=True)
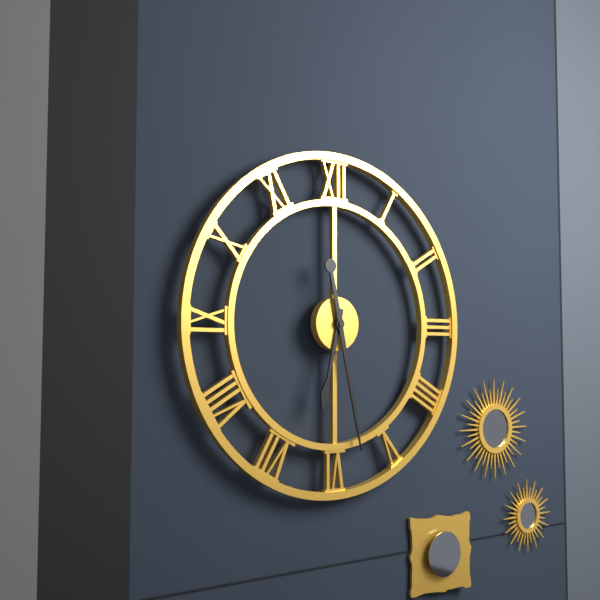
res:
h=6 m=28
